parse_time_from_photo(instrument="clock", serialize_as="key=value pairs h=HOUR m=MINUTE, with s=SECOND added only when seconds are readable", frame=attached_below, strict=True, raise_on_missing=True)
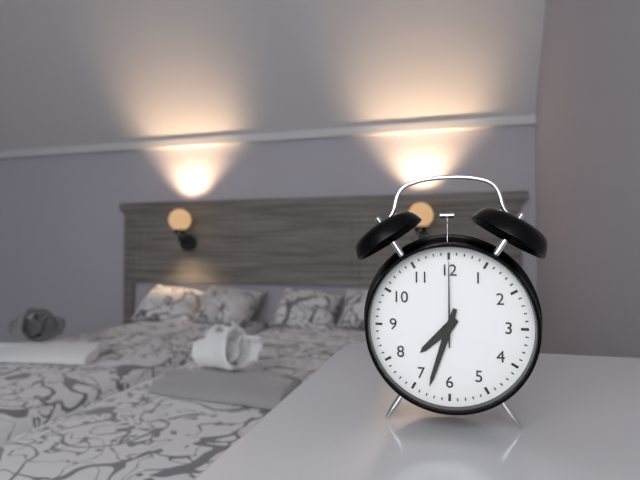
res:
h=7 m=33 s=0
